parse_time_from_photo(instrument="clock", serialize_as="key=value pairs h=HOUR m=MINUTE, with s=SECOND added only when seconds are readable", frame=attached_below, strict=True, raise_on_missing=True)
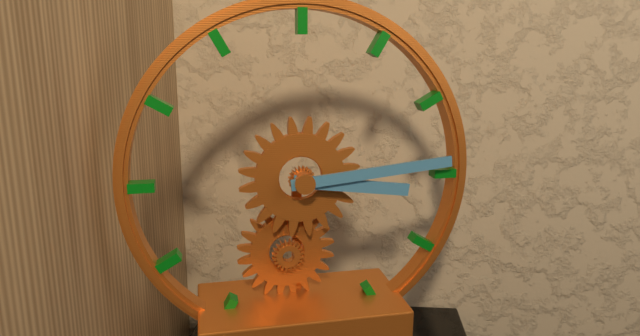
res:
h=3 m=14
